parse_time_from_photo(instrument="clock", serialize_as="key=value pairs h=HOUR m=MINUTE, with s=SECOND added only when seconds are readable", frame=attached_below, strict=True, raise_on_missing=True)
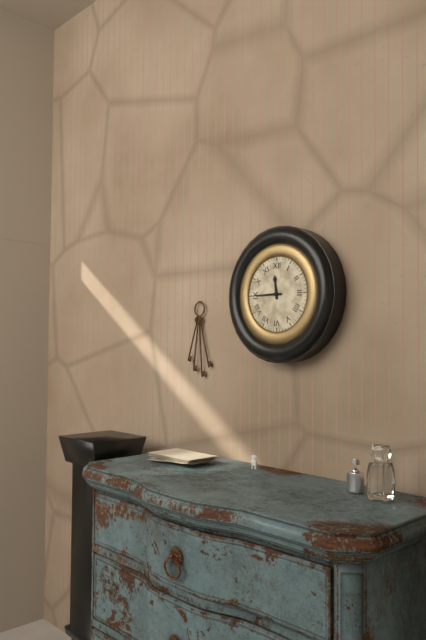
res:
h=11 m=45
